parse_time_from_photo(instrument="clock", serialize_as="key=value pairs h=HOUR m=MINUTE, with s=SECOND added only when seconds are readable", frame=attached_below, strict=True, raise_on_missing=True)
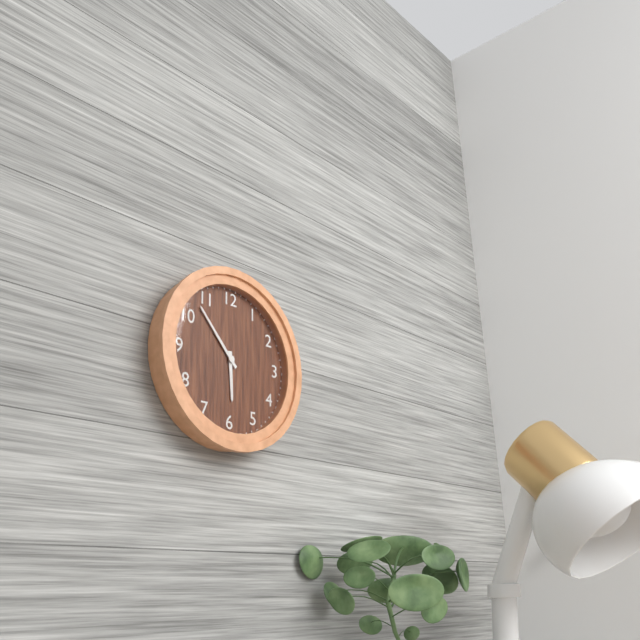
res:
h=5 m=53
